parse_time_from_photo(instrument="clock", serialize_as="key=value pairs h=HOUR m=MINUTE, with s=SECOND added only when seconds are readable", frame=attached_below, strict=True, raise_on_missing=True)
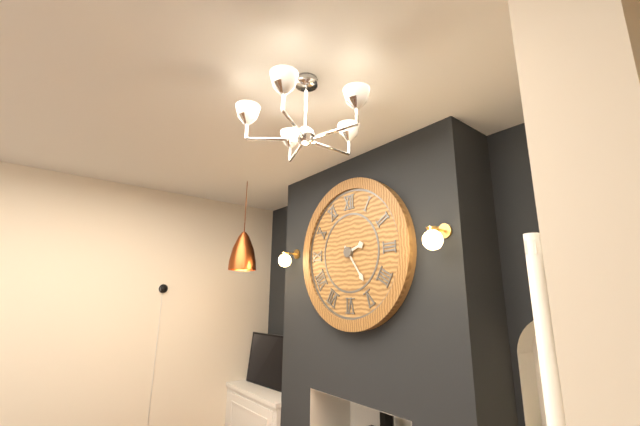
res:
h=2 m=24
